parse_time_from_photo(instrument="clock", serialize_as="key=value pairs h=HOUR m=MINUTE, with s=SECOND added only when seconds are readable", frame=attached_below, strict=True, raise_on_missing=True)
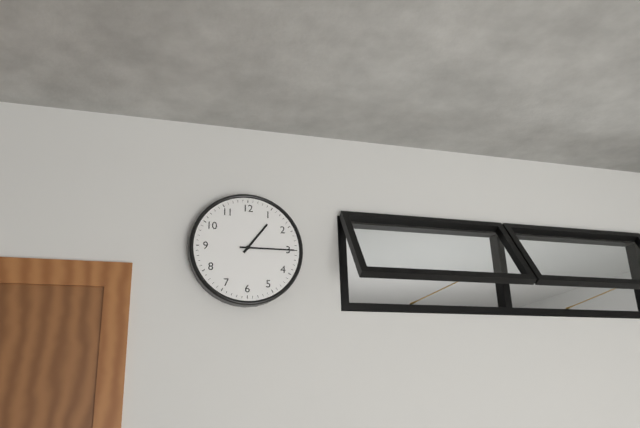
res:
h=1 m=15
